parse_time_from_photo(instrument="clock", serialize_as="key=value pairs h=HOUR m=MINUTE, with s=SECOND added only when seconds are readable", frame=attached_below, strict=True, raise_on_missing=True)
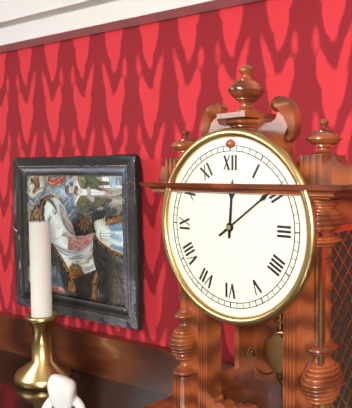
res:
h=12 m=9
